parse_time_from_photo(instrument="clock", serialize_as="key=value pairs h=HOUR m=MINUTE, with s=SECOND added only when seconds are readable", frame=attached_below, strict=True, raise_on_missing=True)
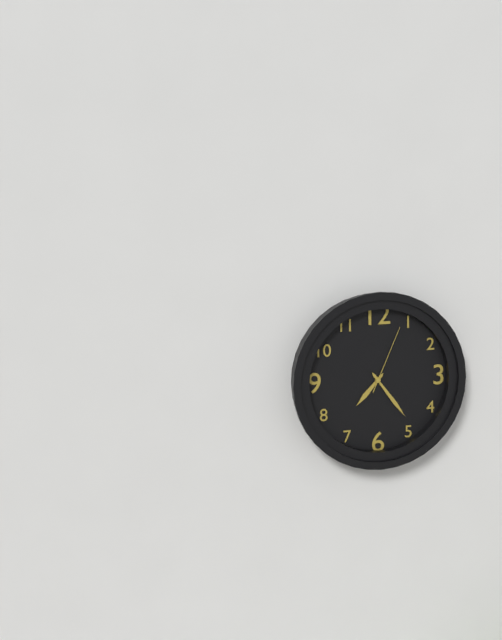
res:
h=7 m=24 s=4
